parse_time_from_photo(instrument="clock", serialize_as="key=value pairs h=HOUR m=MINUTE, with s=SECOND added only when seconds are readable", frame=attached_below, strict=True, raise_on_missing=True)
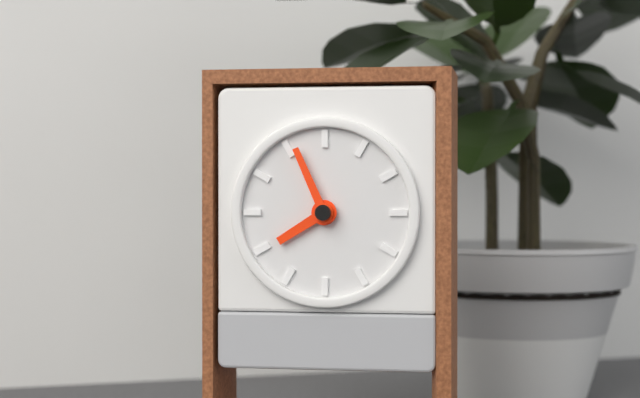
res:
h=7 m=56
